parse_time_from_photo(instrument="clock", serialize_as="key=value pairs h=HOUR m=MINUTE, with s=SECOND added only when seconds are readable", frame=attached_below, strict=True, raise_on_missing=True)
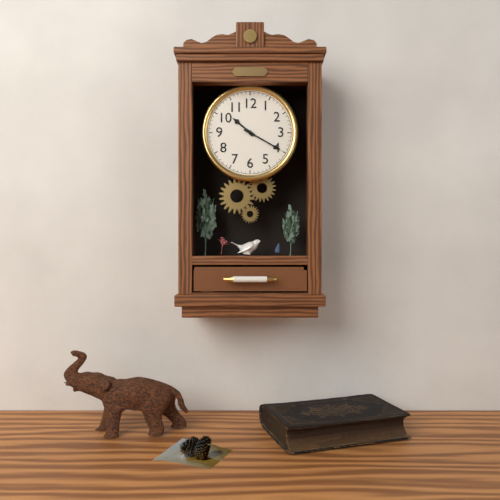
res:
h=10 m=20
